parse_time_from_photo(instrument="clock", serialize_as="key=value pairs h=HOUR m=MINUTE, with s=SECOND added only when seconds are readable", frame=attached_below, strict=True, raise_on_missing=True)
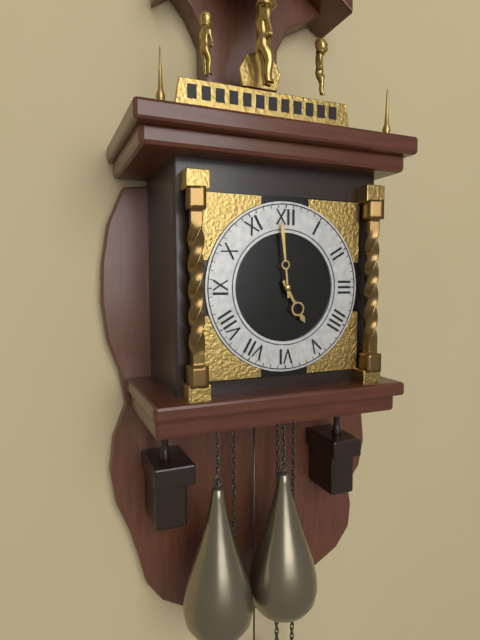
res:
h=4 m=59
